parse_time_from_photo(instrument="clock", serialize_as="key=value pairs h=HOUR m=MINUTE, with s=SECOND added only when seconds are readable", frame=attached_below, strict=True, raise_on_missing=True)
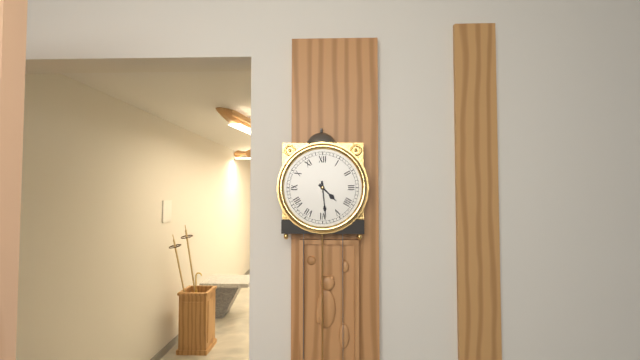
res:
h=4 m=29
